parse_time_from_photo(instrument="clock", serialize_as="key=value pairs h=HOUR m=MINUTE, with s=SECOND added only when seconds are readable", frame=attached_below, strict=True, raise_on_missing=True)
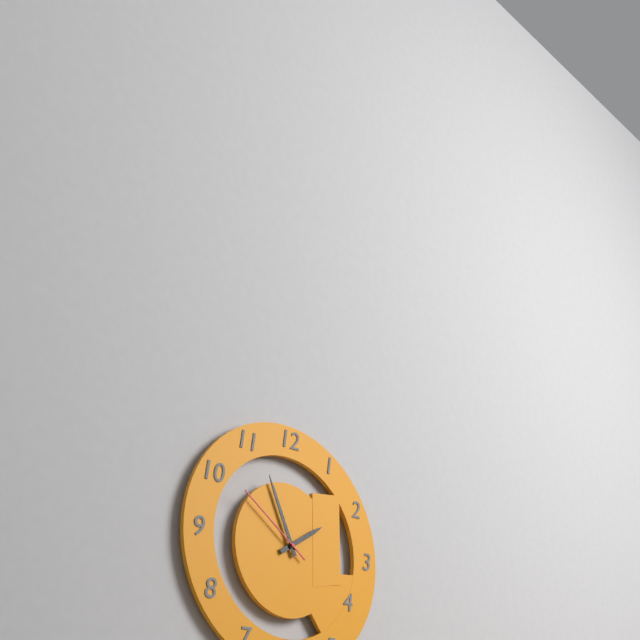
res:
h=1 m=56 s=51
